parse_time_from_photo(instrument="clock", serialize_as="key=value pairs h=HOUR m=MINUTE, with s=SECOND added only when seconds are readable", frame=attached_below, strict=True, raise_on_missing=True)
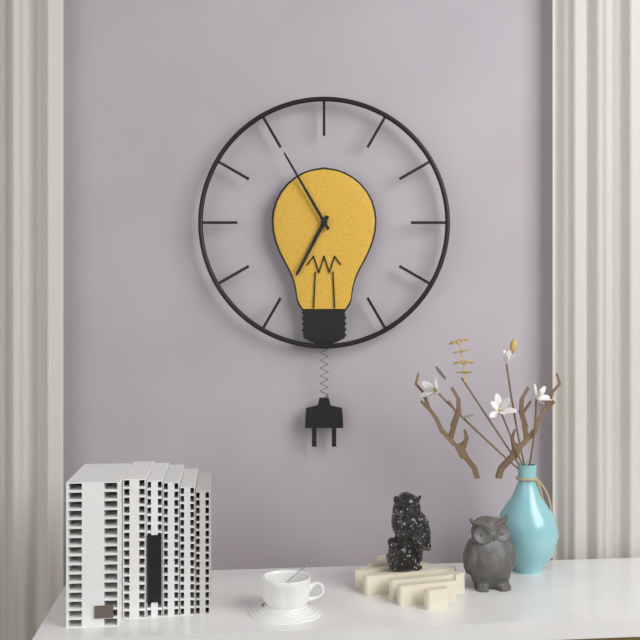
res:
h=6 m=55
